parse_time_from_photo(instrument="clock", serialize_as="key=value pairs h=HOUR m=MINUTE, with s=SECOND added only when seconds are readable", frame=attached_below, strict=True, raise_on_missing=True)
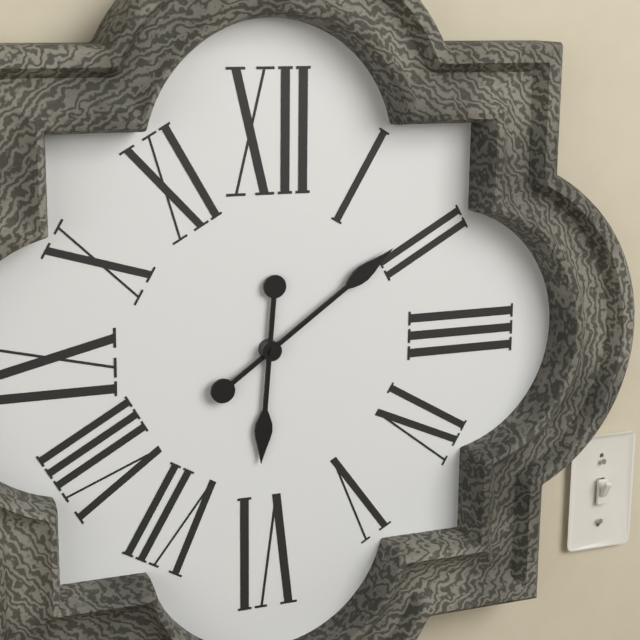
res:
h=6 m=9
